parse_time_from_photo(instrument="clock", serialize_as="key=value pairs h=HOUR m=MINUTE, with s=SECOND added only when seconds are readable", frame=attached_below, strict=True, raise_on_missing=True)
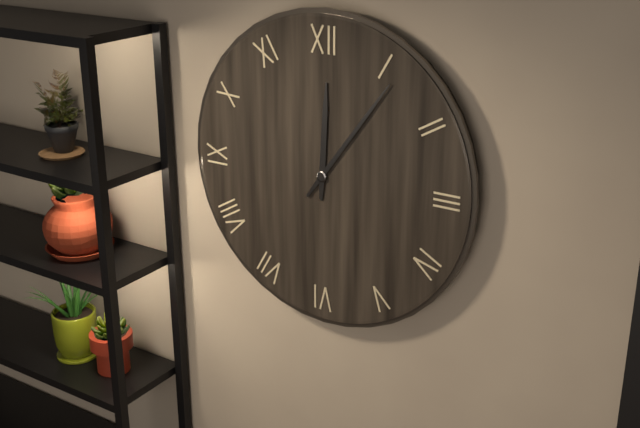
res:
h=12 m=6
